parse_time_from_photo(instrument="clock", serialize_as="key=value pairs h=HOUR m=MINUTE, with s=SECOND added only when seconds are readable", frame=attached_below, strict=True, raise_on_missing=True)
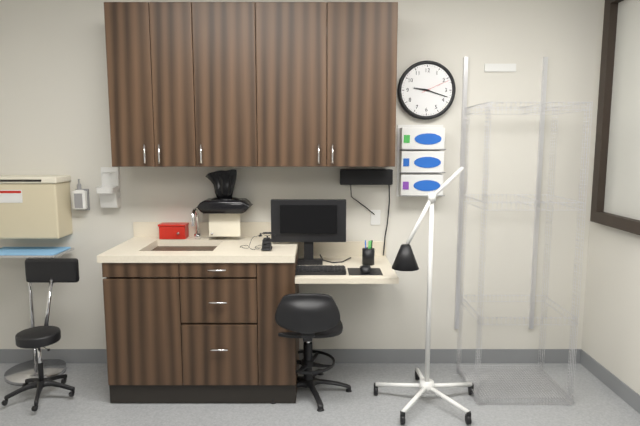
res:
h=9 m=18
